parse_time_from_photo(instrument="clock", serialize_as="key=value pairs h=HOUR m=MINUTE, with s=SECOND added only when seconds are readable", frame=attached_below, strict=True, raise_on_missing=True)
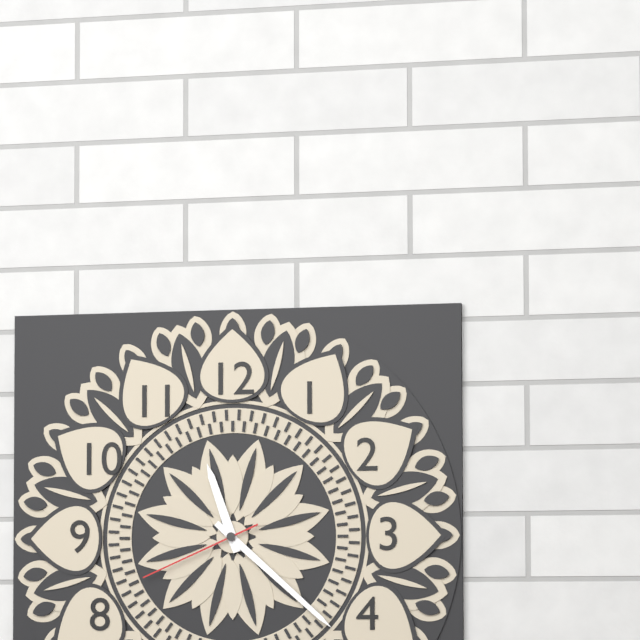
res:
h=11 m=22 s=41
